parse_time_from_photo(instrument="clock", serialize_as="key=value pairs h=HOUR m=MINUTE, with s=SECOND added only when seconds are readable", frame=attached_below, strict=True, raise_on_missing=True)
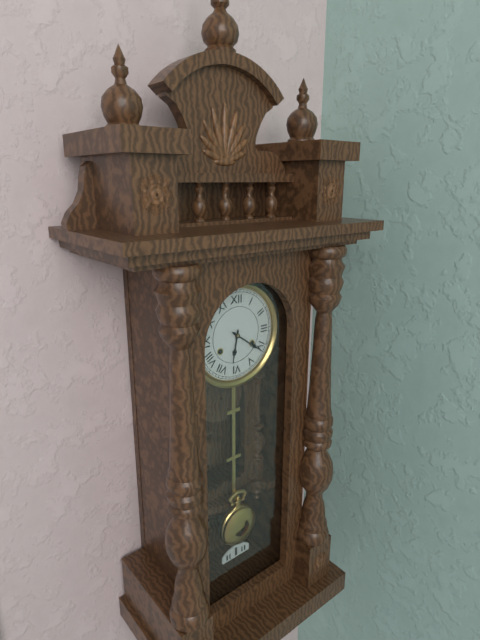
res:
h=6 m=21
